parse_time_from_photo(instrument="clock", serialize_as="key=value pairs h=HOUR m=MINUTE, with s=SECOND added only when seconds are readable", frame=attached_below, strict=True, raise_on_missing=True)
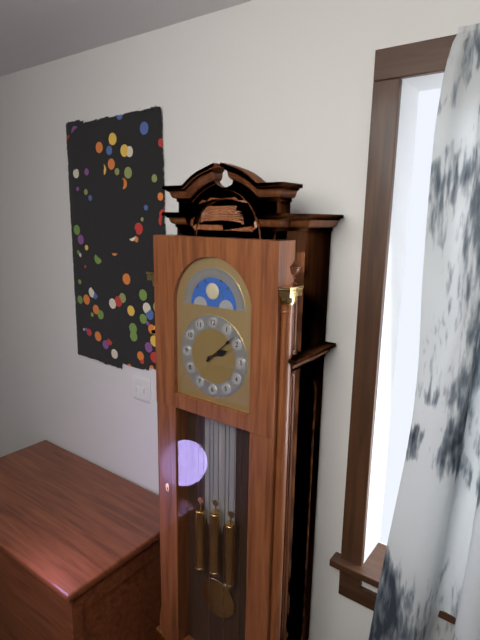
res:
h=2 m=8
